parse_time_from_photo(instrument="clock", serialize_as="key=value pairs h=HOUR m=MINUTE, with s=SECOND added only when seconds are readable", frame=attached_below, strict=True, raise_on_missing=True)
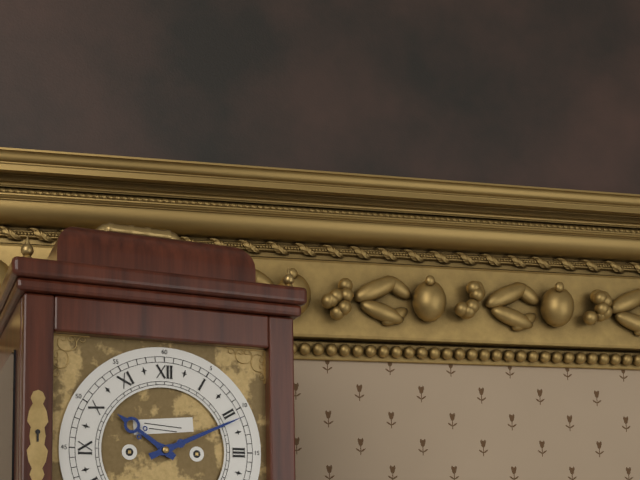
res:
h=10 m=11
